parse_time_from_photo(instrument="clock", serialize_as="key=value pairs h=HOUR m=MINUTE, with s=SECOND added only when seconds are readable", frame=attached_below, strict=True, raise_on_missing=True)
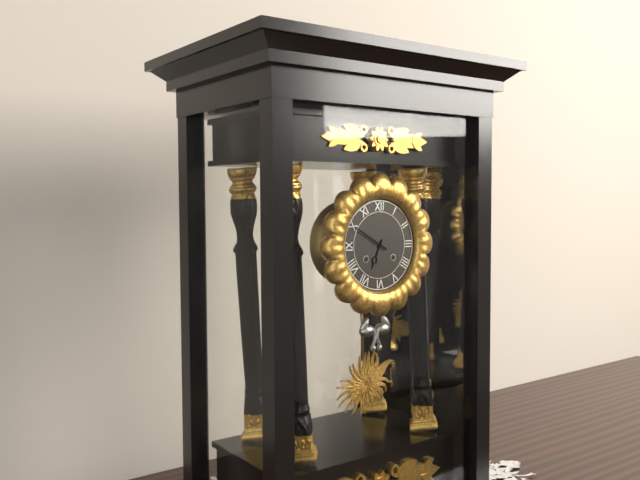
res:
h=6 m=50
